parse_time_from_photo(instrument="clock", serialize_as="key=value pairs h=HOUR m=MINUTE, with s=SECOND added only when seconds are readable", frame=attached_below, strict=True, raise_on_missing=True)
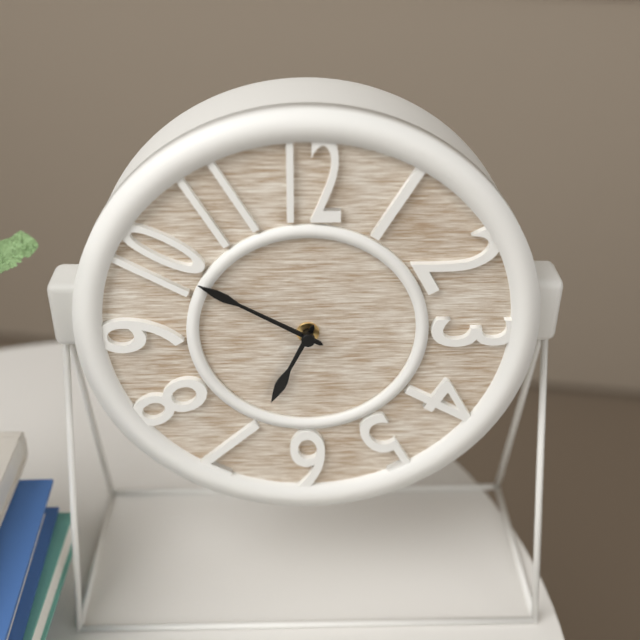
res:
h=6 m=50
